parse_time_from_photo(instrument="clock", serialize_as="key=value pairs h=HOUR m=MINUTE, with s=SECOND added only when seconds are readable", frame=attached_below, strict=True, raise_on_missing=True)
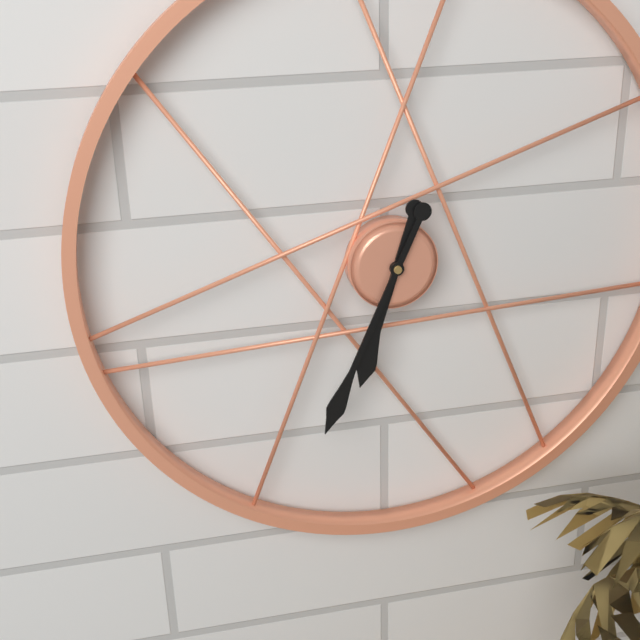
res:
h=6 m=34
